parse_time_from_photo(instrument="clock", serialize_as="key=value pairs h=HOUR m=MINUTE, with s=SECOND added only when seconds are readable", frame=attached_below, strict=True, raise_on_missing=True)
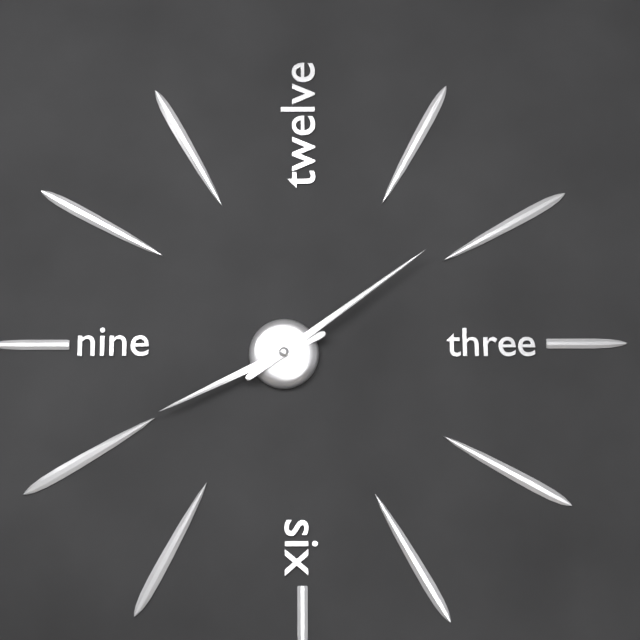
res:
h=8 m=9
